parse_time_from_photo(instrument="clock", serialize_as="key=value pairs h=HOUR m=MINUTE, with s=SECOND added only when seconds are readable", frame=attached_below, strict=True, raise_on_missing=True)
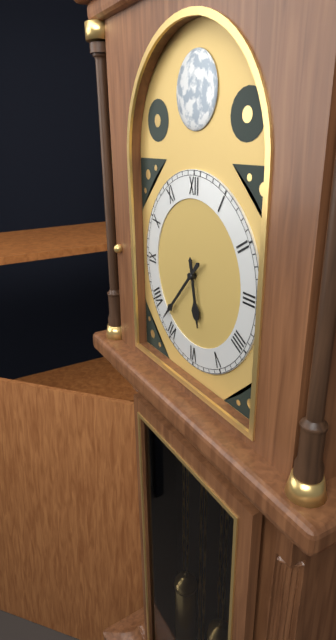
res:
h=5 m=37
